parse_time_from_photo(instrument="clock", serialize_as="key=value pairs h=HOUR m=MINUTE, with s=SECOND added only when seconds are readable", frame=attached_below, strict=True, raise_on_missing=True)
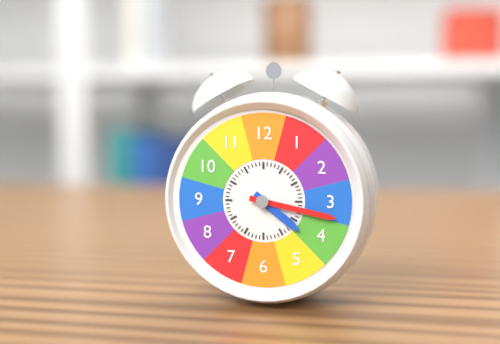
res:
h=4 m=17
